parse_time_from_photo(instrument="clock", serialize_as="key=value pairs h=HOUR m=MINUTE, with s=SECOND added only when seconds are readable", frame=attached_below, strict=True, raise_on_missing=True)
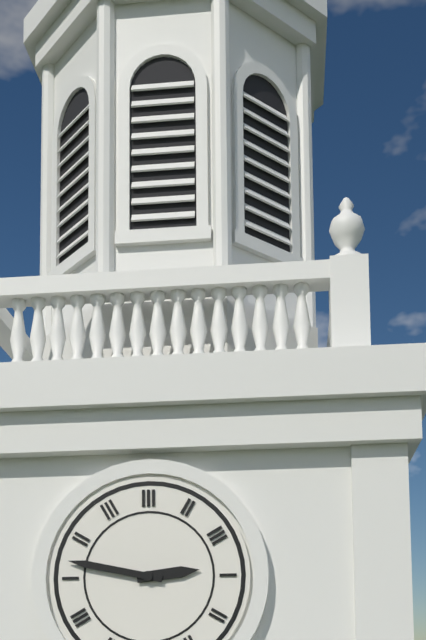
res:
h=2 m=47
